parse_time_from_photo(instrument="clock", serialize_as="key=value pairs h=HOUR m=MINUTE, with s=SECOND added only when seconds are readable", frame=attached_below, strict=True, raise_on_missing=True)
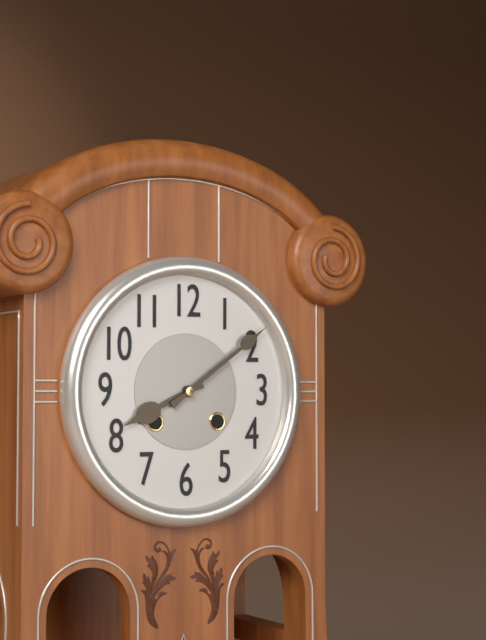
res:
h=8 m=9
